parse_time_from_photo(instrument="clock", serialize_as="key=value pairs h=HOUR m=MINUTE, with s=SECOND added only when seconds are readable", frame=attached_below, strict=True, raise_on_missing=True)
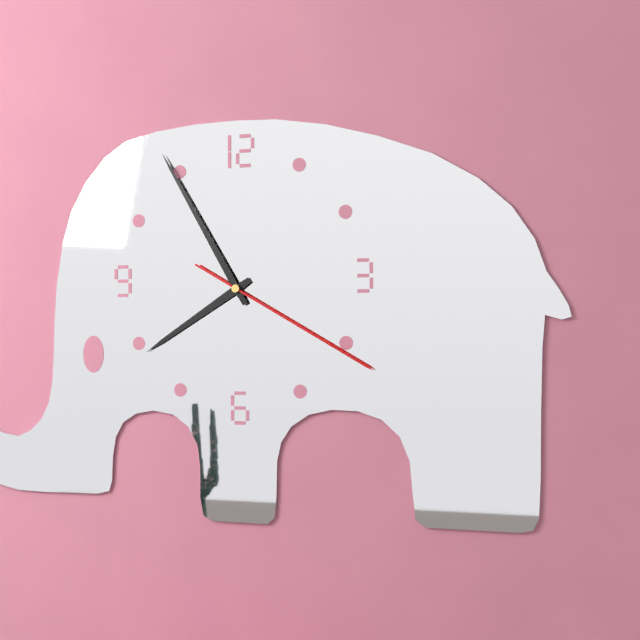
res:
h=7 m=55 s=20
